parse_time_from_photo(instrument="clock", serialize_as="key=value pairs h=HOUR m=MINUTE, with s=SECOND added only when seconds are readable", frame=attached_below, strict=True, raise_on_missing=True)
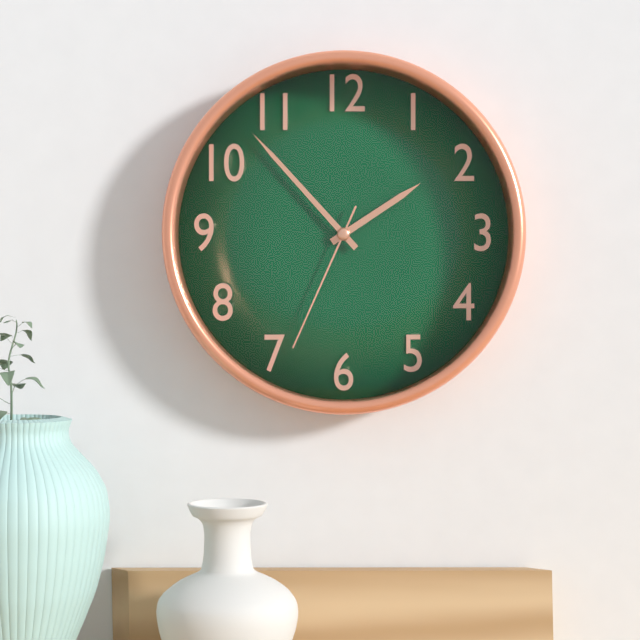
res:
h=1 m=53 s=34
